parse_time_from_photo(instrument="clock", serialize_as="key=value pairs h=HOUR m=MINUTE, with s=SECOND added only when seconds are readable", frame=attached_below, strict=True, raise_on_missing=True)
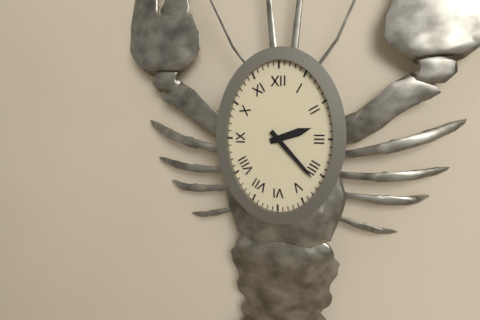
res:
h=2 m=23
